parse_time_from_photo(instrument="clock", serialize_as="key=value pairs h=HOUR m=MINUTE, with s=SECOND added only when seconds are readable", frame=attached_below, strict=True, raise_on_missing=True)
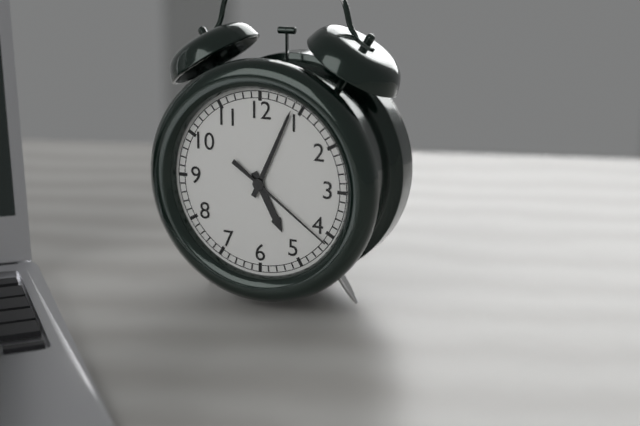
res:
h=5 m=4 s=21
